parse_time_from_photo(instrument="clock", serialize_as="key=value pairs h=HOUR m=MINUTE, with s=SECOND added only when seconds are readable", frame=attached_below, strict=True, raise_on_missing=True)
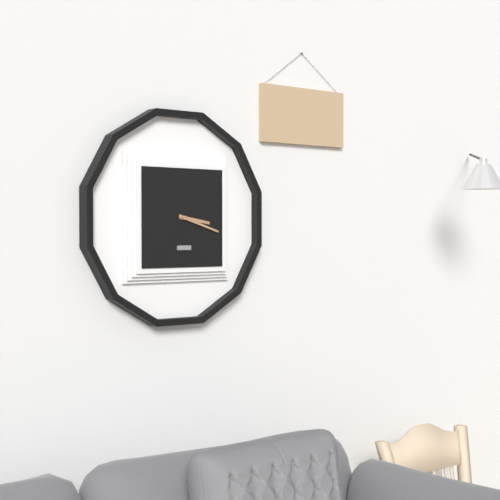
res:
h=3 m=18
